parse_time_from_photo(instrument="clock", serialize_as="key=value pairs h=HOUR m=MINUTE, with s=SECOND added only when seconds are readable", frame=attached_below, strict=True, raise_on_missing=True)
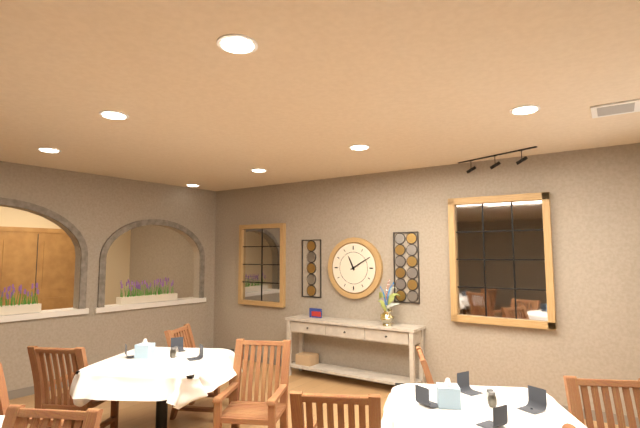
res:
h=11 m=10
